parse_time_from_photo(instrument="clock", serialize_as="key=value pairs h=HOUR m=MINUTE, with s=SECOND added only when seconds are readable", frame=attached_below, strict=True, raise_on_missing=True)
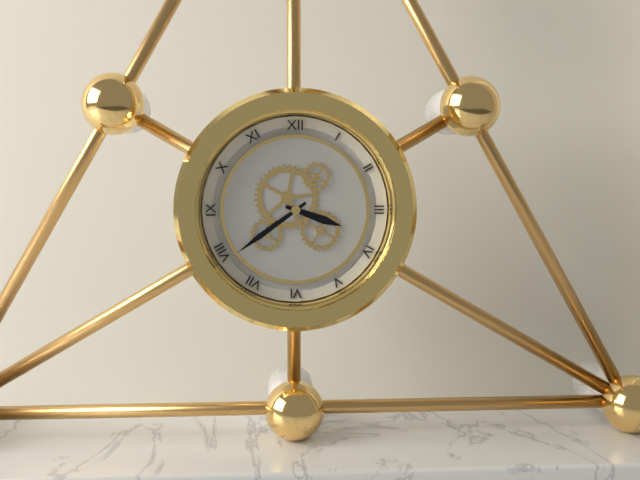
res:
h=3 m=39
